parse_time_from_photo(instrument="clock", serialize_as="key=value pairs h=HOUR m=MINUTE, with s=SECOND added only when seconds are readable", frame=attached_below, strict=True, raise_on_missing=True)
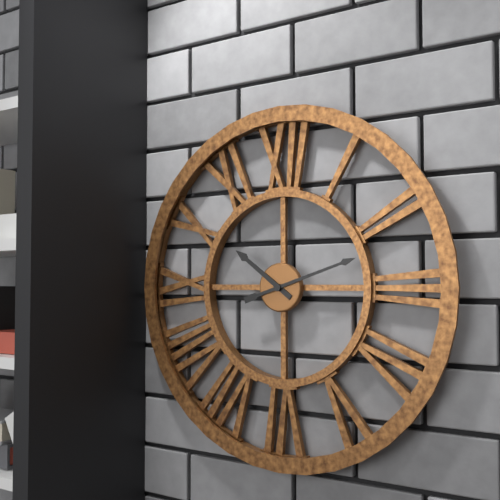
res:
h=10 m=12
